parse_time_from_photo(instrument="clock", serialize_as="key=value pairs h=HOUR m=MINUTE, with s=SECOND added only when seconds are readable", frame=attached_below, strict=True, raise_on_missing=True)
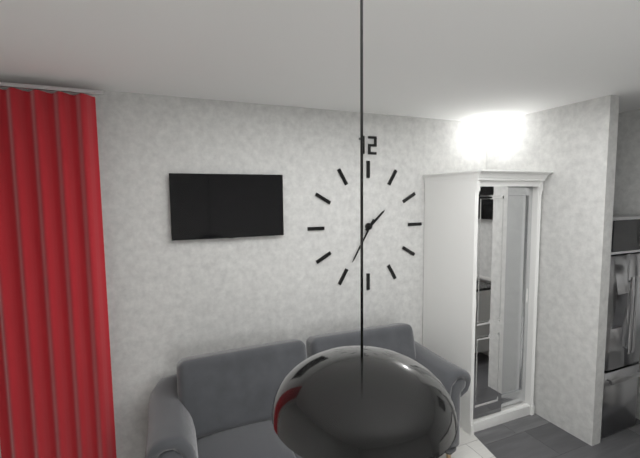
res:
h=1 m=35
